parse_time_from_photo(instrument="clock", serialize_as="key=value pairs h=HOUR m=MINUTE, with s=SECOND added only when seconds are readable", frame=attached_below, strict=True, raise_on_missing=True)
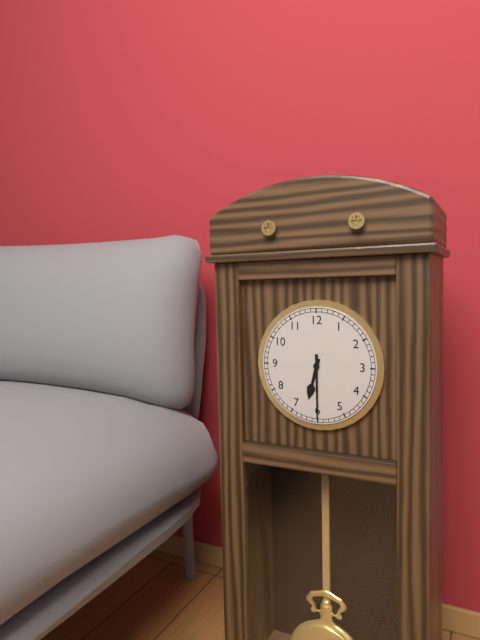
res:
h=6 m=30
